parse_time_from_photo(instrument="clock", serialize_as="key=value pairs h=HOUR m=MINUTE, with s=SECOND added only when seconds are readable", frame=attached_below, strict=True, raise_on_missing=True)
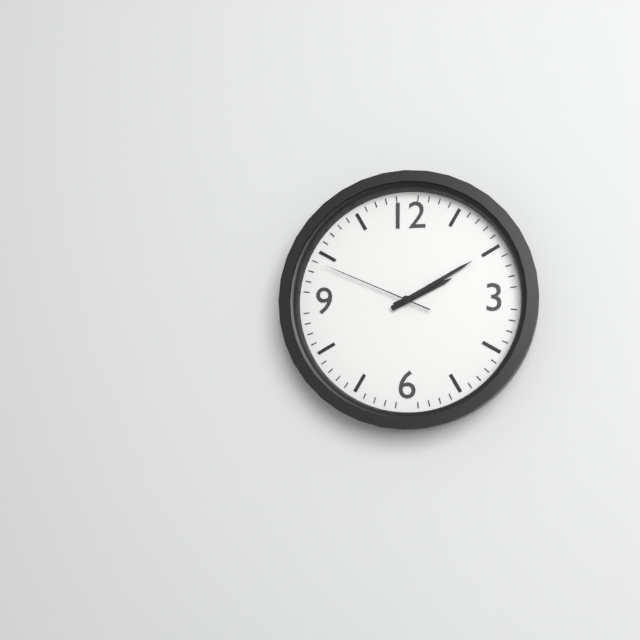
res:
h=2 m=10 s=49
